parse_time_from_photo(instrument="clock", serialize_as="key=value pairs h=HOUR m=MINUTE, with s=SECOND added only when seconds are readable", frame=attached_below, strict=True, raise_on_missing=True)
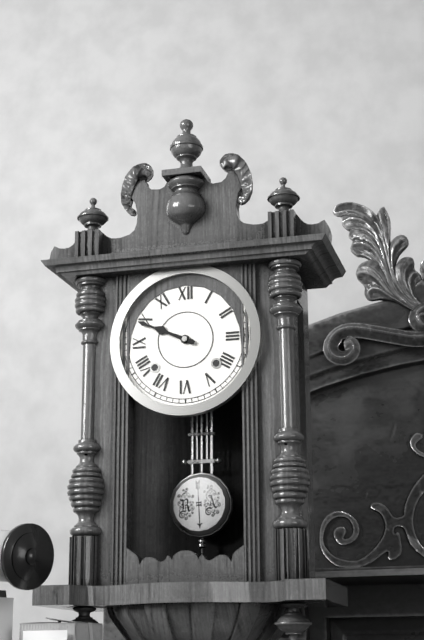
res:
h=9 m=49
